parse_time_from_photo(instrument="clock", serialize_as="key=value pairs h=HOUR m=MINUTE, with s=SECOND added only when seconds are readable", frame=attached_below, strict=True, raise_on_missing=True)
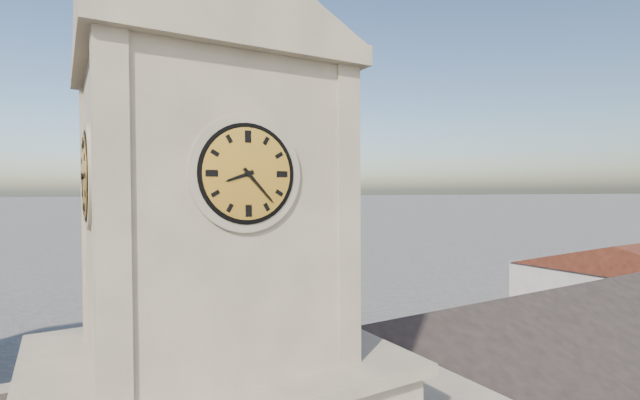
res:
h=8 m=23
